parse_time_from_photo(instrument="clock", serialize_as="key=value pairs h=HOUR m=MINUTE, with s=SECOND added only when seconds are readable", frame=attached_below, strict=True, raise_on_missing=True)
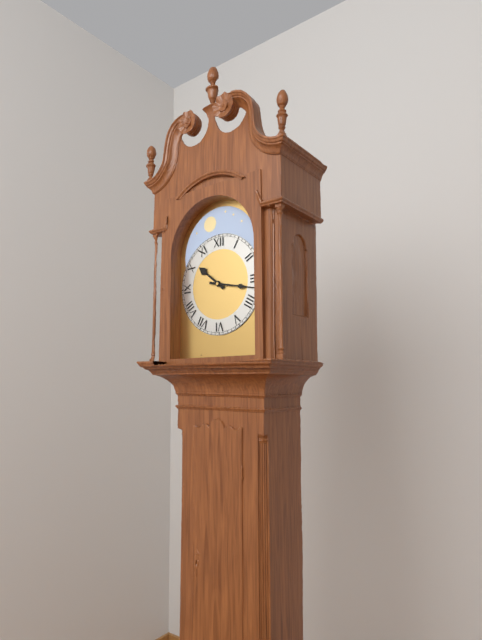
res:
h=10 m=17
